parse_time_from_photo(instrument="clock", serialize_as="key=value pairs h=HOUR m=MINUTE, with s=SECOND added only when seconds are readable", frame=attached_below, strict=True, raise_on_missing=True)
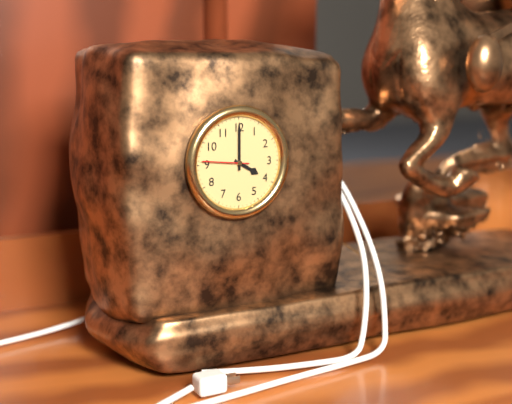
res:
h=4 m=0
